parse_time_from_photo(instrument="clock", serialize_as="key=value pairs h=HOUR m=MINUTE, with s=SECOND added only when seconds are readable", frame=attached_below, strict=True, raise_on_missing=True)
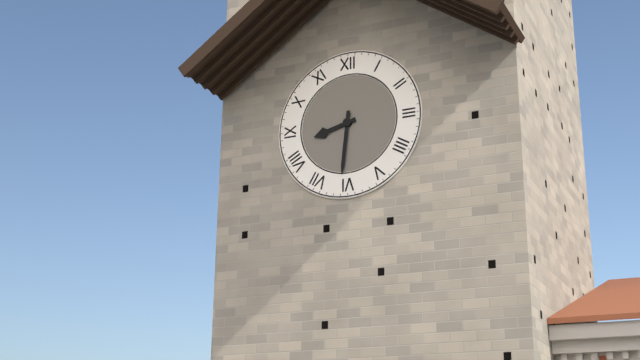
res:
h=8 m=31
